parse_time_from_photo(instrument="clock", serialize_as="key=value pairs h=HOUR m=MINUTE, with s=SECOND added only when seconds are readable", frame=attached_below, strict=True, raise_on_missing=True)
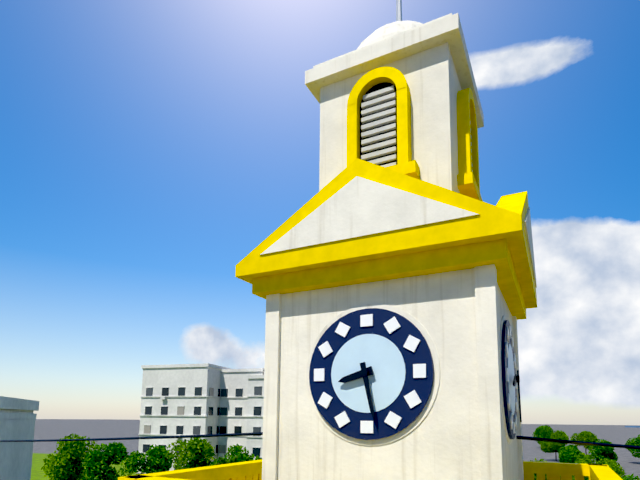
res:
h=8 m=28
